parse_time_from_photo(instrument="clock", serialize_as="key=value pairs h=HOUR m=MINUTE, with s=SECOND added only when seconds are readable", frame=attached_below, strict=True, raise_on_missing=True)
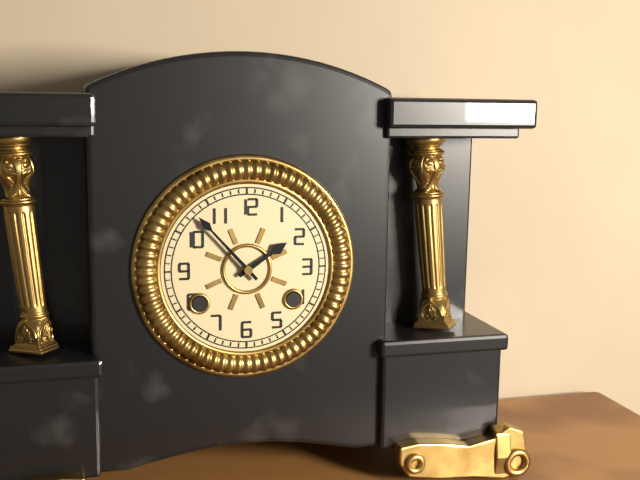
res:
h=1 m=53
